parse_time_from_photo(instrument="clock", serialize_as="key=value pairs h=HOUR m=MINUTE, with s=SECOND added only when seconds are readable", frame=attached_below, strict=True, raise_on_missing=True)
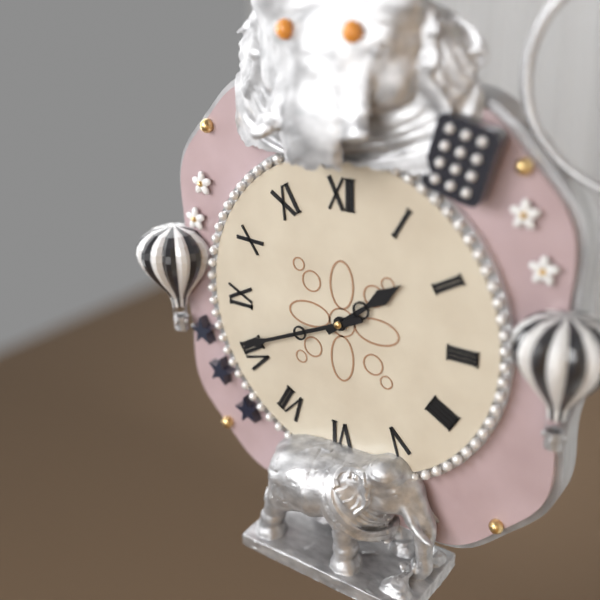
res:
h=1 m=41
